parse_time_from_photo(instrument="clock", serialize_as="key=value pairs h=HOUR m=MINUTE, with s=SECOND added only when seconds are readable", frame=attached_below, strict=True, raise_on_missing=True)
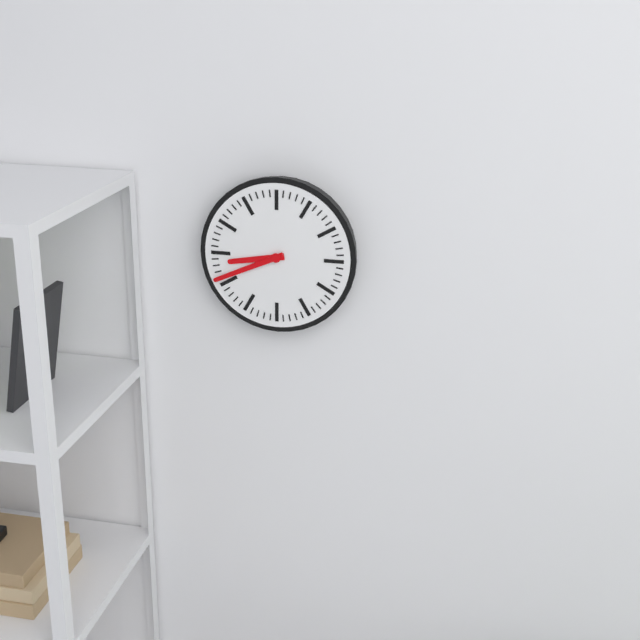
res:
h=8 m=41
